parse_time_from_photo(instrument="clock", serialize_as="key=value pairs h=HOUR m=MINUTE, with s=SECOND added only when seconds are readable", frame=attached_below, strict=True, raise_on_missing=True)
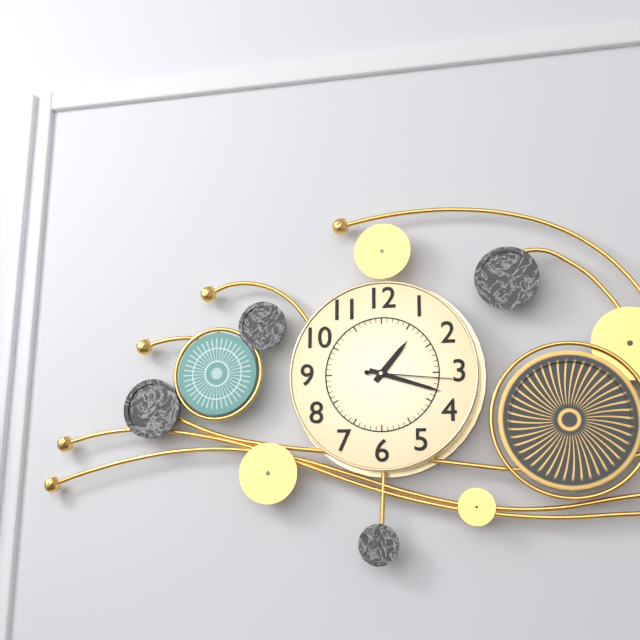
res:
h=1 m=18 s=16
